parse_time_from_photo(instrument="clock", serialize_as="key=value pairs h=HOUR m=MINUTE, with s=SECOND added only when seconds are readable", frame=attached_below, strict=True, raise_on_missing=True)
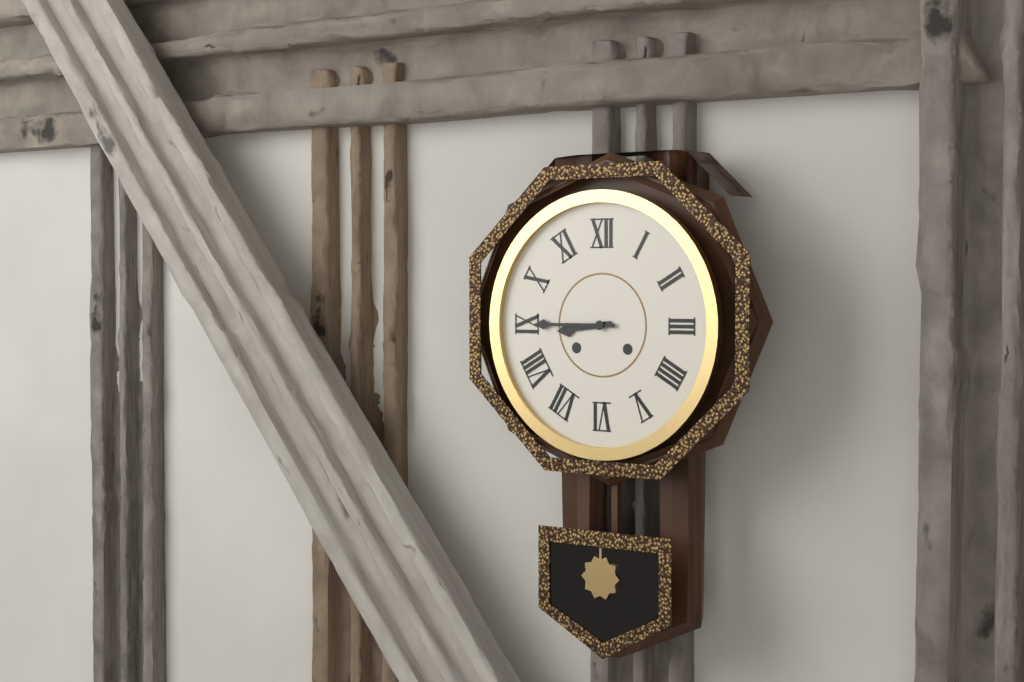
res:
h=8 m=45
